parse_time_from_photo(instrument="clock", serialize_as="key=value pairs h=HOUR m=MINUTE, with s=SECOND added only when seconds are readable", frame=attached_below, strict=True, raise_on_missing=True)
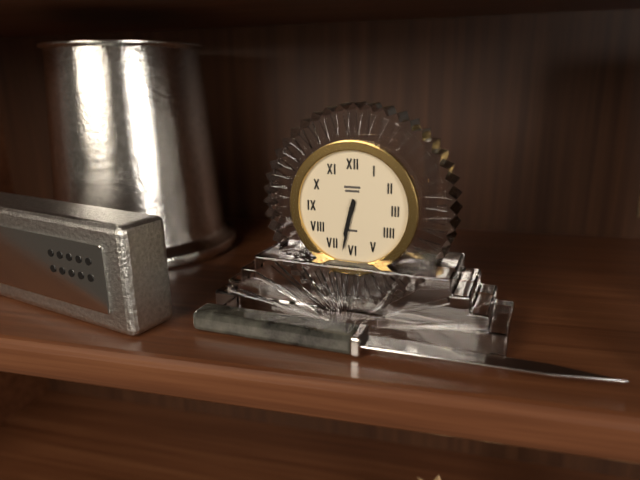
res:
h=6 m=32
